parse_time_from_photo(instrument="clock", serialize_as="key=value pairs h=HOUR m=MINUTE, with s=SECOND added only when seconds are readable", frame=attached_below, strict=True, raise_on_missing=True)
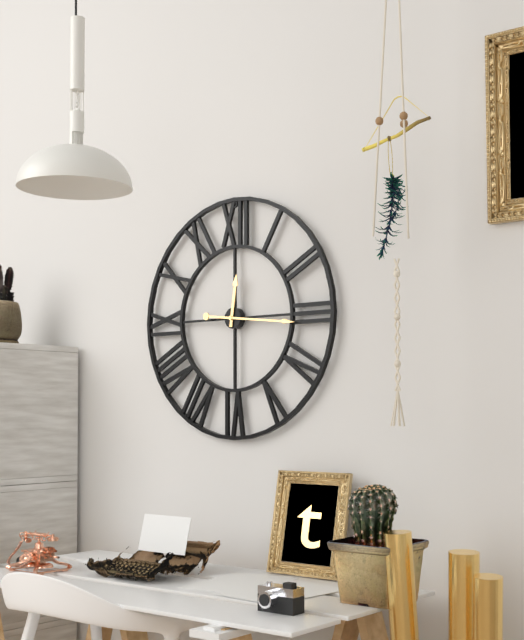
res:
h=12 m=16
